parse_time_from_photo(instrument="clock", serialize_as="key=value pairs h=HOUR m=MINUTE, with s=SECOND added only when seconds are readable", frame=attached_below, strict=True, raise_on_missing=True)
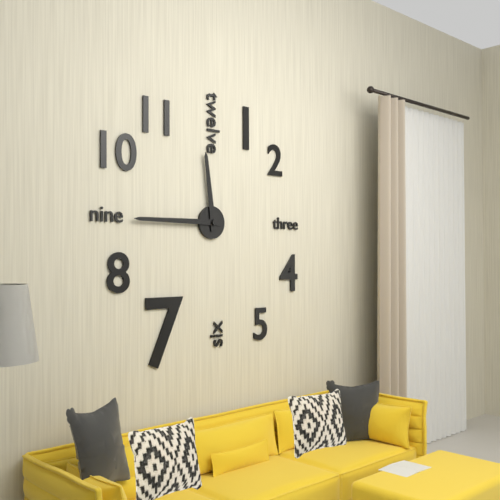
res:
h=11 m=45
